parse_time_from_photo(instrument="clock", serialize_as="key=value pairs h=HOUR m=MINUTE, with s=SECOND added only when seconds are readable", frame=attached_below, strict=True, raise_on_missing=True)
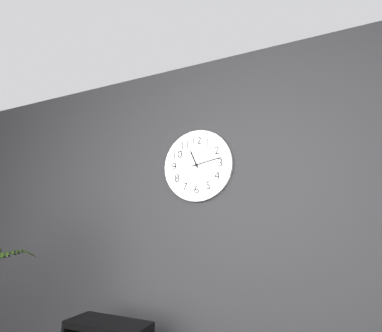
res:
h=11 m=13
